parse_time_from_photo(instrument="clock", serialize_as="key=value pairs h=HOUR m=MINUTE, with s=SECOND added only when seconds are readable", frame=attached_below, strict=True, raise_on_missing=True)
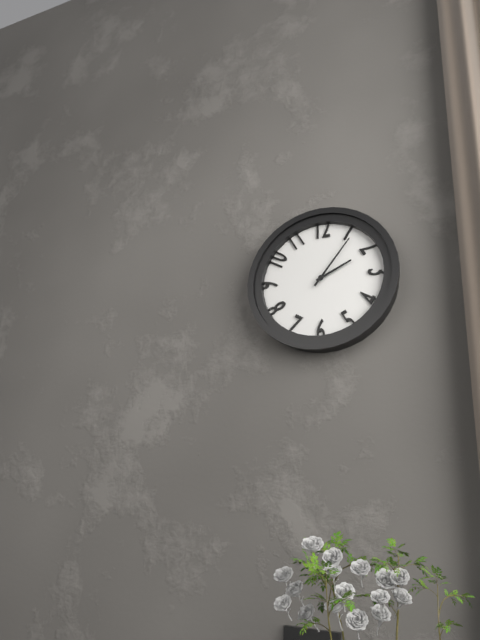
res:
h=2 m=6
